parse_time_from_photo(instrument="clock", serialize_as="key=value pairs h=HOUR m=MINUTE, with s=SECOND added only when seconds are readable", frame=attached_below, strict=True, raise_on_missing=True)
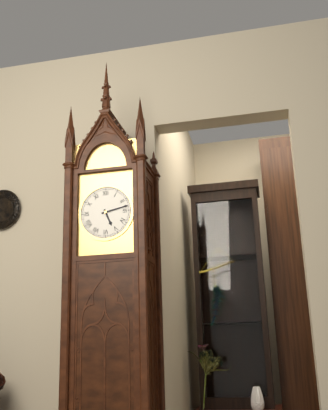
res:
h=5 m=13
